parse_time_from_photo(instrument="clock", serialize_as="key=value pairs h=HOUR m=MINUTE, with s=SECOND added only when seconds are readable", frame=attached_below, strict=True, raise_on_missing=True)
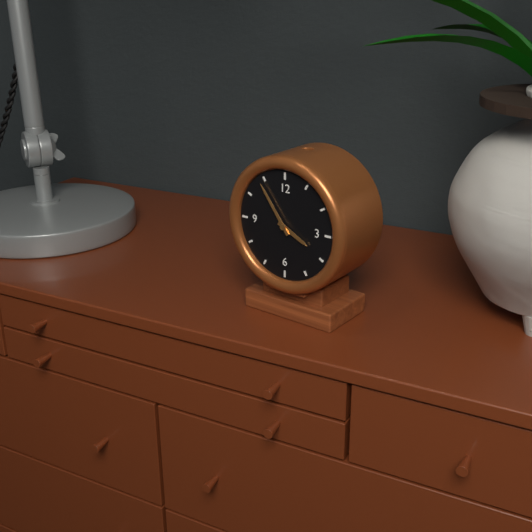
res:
h=3 m=54
